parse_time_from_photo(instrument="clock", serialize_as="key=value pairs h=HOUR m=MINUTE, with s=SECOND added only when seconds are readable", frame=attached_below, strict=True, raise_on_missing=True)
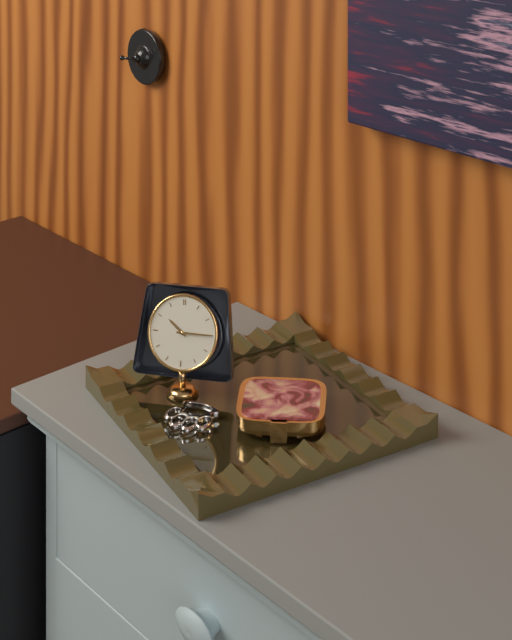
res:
h=10 m=15
